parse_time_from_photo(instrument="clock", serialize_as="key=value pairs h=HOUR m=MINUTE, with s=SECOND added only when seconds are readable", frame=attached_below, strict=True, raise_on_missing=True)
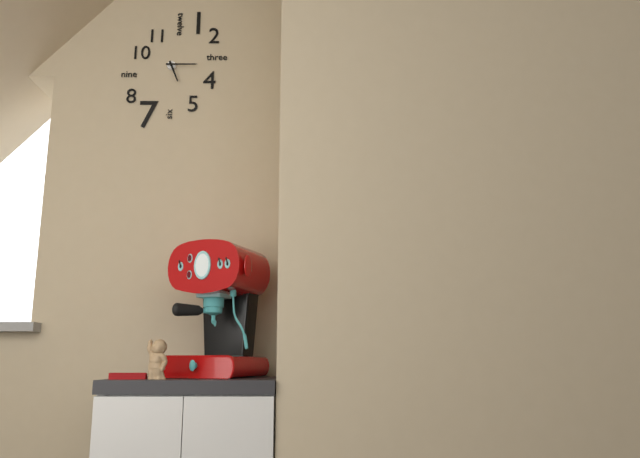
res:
h=5 m=15
